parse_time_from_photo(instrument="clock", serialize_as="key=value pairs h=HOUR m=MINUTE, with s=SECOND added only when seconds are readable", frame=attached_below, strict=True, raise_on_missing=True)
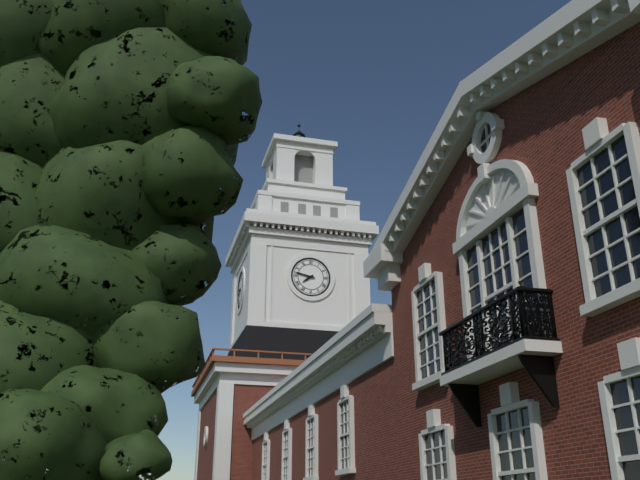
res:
h=7 m=47
